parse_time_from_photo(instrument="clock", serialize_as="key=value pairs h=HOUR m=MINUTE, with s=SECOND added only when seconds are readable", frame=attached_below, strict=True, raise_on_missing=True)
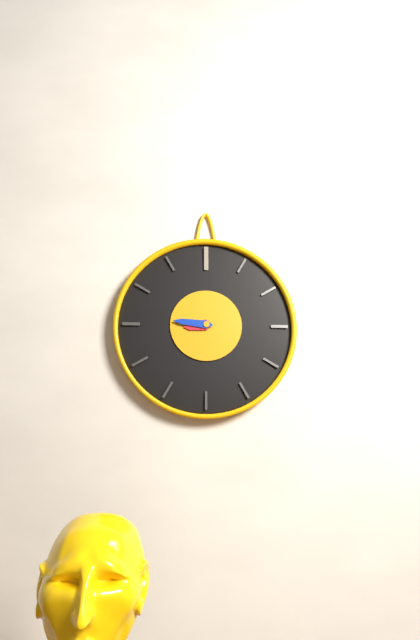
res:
h=8 m=46
